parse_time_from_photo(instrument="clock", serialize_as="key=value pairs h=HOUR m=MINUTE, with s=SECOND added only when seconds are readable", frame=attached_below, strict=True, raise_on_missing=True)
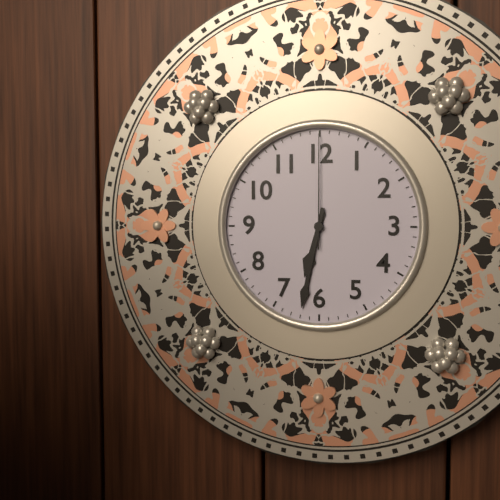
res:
h=6 m=32 s=0
